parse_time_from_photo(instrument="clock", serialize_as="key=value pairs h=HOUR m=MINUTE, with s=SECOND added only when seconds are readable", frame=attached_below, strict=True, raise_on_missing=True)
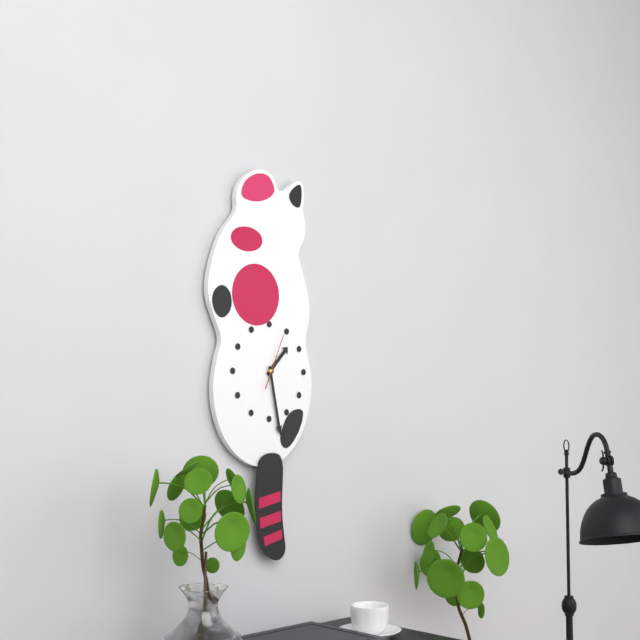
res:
h=1 m=28 s=4
